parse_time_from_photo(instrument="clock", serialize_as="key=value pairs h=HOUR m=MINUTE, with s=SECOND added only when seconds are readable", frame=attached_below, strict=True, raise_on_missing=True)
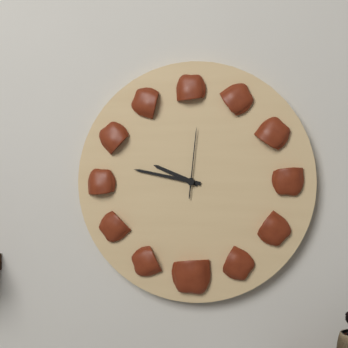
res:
h=9 m=47 s=1
